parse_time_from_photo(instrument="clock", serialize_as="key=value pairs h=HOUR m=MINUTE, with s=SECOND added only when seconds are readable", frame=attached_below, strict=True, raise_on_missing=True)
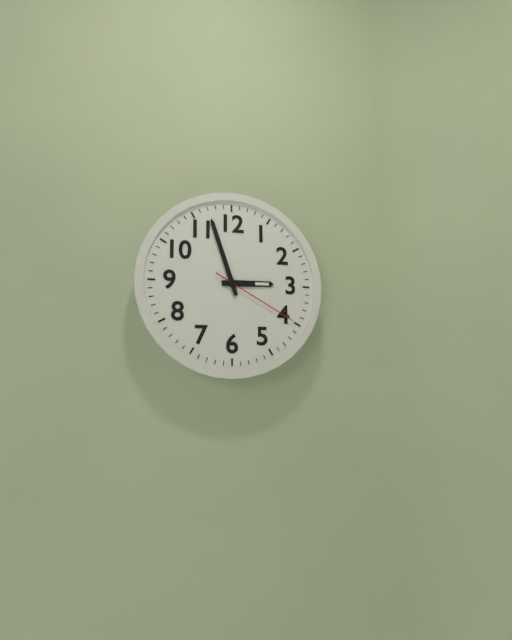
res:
h=2 m=57 s=20
